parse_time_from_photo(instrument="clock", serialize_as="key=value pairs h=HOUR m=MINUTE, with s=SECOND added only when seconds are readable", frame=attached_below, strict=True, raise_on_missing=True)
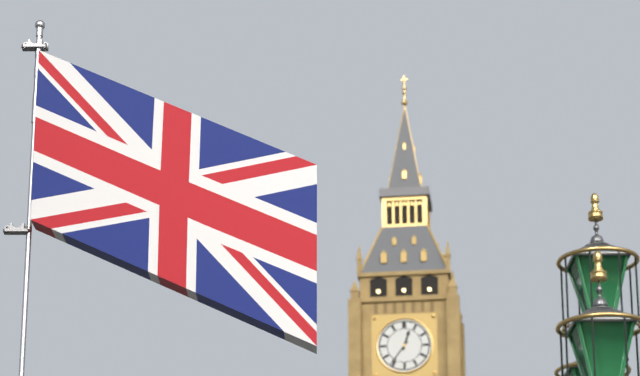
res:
h=12 m=36
